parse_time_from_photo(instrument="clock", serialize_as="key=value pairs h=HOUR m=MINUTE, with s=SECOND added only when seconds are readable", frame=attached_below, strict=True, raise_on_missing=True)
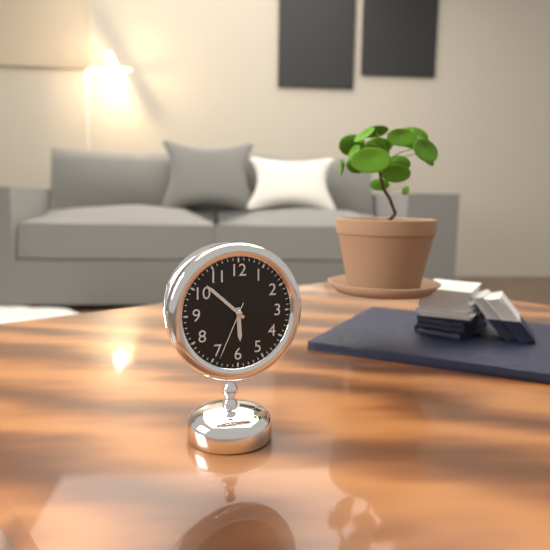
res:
h=5 m=52 s=34
